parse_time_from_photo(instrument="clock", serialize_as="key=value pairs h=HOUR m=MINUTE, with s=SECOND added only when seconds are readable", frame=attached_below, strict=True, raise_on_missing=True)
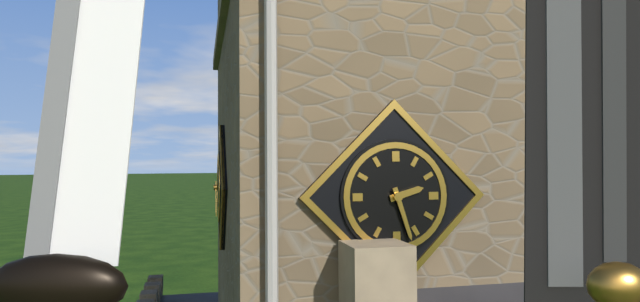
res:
h=2 m=27
